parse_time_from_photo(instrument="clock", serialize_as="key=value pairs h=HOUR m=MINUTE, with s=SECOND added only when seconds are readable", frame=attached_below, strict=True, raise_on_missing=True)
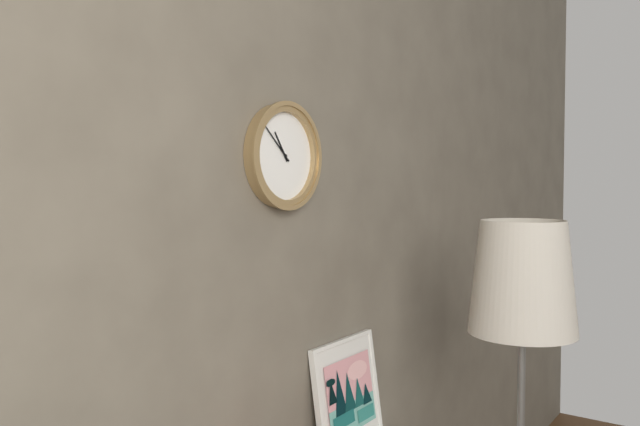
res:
h=10 m=52
